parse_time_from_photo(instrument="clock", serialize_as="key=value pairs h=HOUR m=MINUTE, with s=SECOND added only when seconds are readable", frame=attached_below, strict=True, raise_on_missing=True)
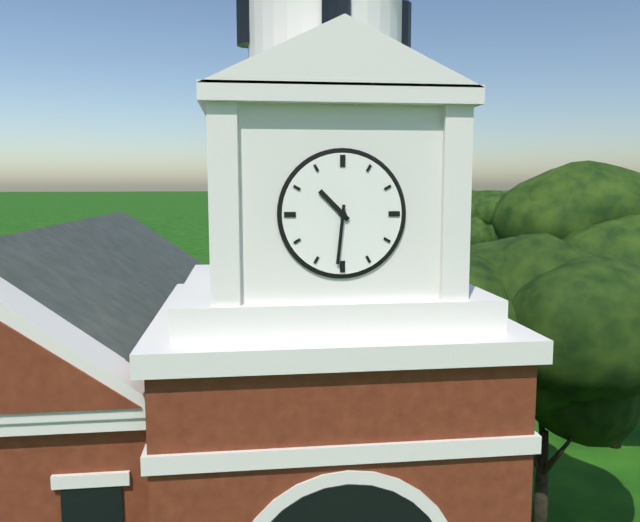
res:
h=10 m=31
